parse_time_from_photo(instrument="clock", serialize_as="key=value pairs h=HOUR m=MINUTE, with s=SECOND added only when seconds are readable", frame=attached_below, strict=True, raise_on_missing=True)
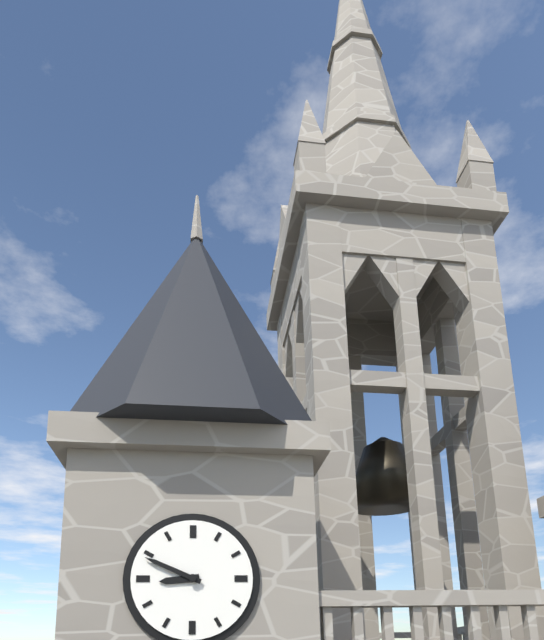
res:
h=8 m=49
